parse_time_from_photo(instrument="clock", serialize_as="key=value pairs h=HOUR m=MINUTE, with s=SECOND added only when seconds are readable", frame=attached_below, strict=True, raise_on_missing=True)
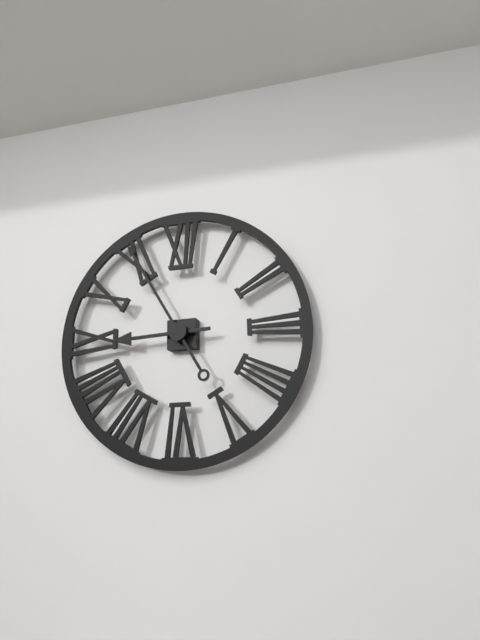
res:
h=8 m=55
